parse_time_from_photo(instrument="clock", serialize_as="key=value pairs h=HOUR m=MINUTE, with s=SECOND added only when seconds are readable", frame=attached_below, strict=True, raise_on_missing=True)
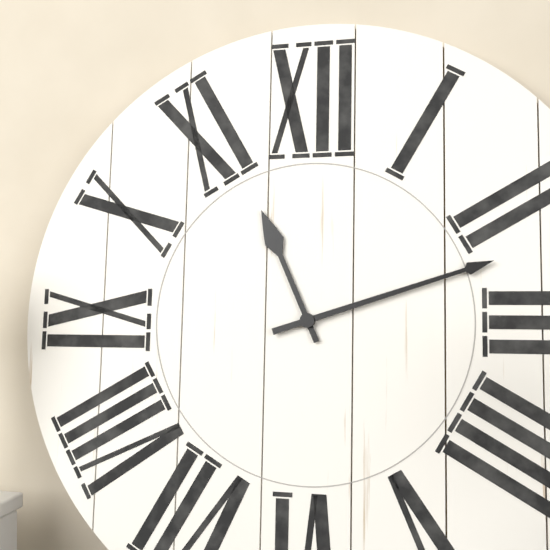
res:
h=11 m=12
